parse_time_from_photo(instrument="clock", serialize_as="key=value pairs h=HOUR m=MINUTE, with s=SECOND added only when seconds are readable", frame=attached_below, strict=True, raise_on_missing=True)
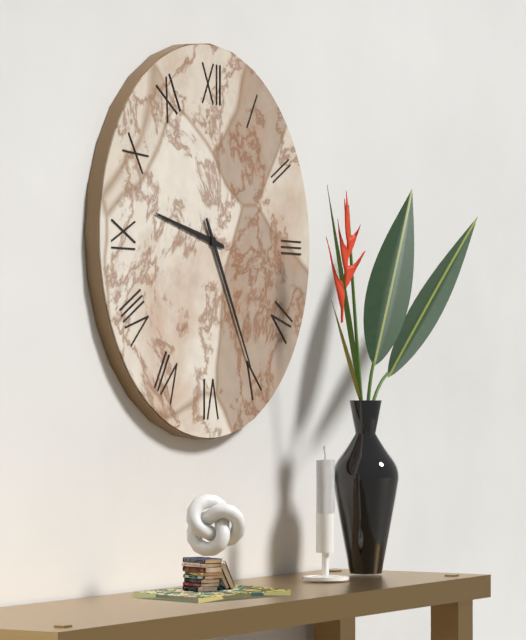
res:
h=9 m=25
